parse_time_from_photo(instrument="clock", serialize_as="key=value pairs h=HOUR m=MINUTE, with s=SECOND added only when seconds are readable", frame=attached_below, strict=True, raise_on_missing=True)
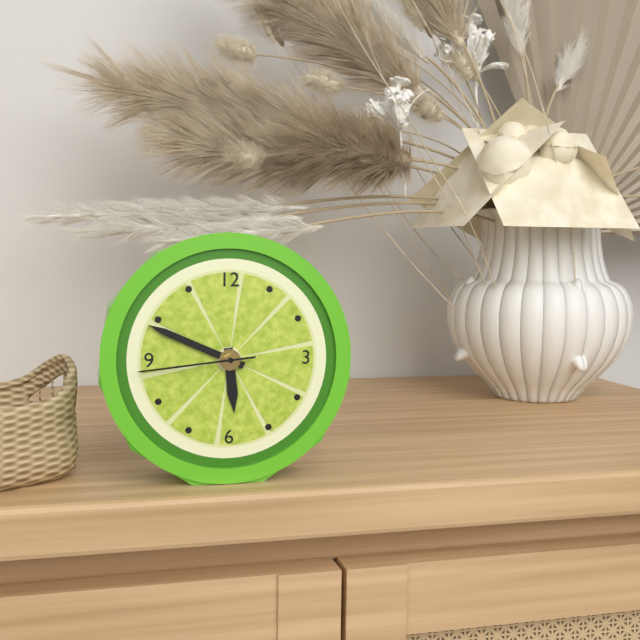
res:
h=5 m=49 s=44
